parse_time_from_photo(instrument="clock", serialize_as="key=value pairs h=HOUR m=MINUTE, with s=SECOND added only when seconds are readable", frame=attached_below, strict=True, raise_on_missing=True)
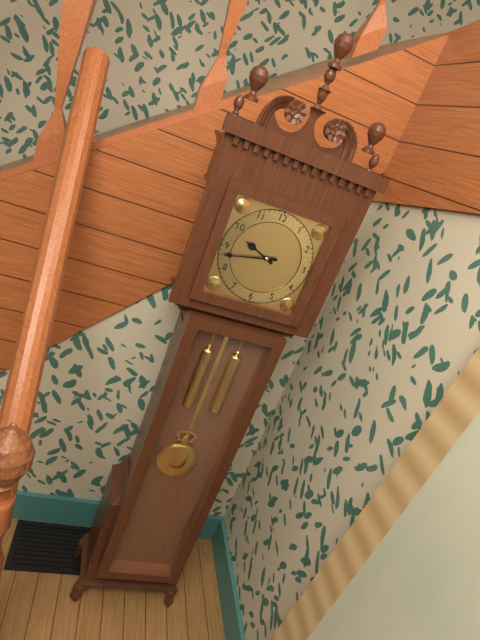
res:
h=9 m=43
